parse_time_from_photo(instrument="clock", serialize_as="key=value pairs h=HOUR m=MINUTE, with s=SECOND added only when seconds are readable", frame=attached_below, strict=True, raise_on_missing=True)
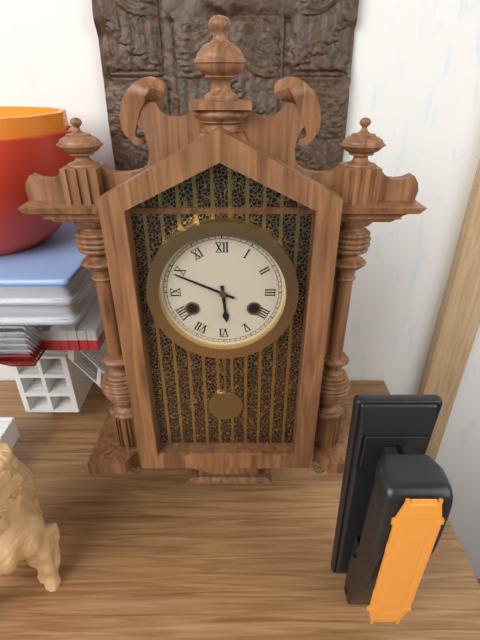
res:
h=5 m=49
